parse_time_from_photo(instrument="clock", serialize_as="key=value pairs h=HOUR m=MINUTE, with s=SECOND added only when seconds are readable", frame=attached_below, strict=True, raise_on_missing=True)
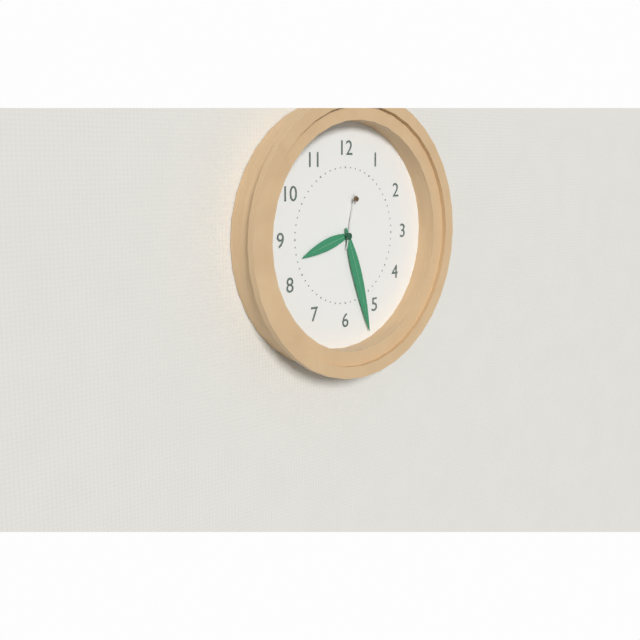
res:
h=8 m=27 s=2
